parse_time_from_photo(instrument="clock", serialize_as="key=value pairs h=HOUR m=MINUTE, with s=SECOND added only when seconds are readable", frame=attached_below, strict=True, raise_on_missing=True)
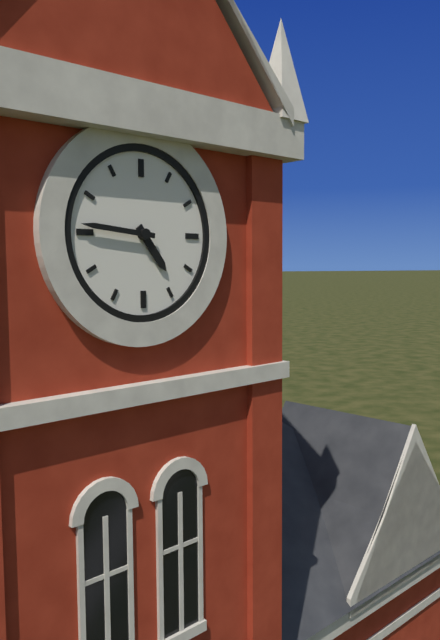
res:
h=4 m=46
